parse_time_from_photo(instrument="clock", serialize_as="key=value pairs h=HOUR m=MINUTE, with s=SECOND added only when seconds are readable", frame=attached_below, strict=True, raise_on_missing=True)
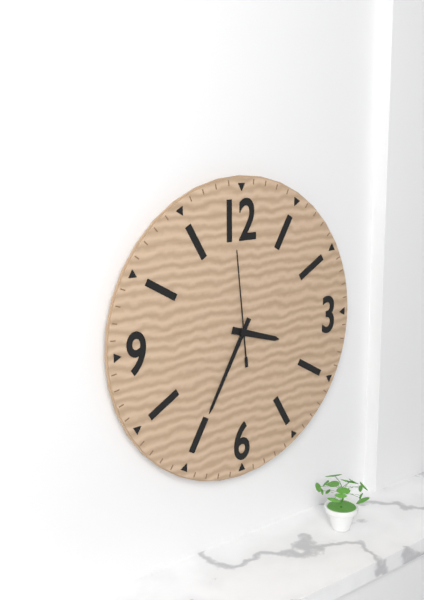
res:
h=3 m=35 s=59
